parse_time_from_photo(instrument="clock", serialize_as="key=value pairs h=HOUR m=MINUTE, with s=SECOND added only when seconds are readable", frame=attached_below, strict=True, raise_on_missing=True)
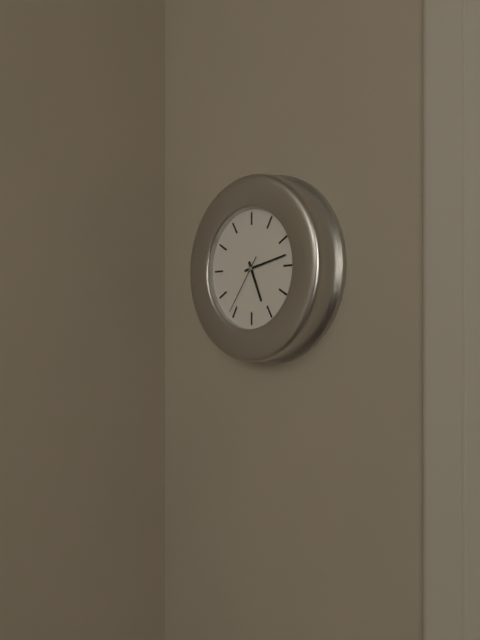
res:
h=5 m=13 s=36
